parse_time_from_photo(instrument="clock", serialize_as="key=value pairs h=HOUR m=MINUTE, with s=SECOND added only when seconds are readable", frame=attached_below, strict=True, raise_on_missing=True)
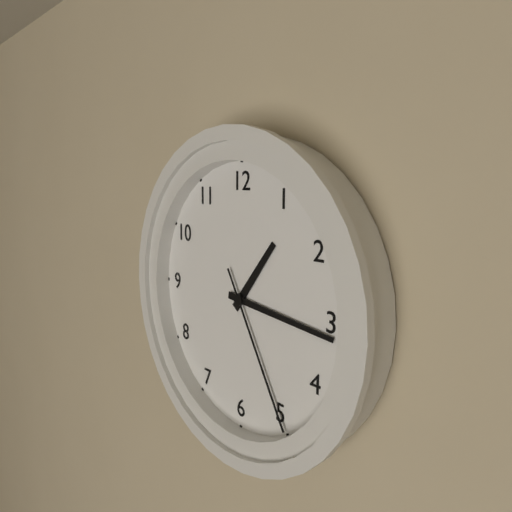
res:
h=1 m=16 s=25
